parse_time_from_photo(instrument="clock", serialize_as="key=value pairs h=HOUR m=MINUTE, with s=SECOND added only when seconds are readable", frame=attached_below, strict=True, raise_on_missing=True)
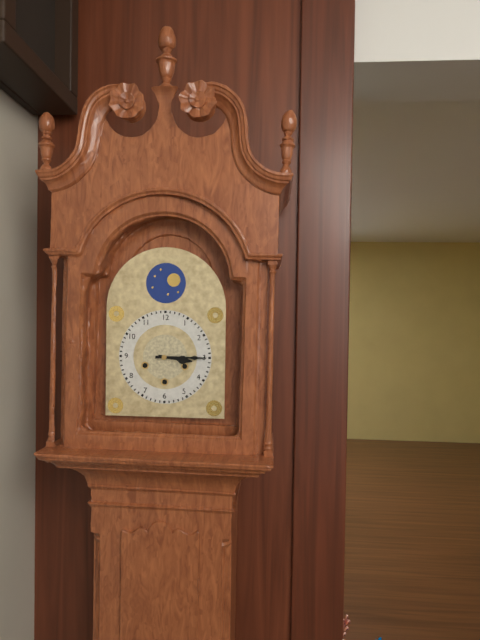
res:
h=3 m=15
